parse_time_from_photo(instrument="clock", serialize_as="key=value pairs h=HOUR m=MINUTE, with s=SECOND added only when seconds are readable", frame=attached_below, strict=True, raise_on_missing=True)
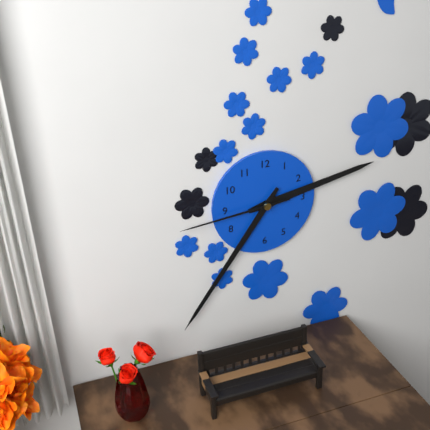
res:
h=2 m=36 s=44
